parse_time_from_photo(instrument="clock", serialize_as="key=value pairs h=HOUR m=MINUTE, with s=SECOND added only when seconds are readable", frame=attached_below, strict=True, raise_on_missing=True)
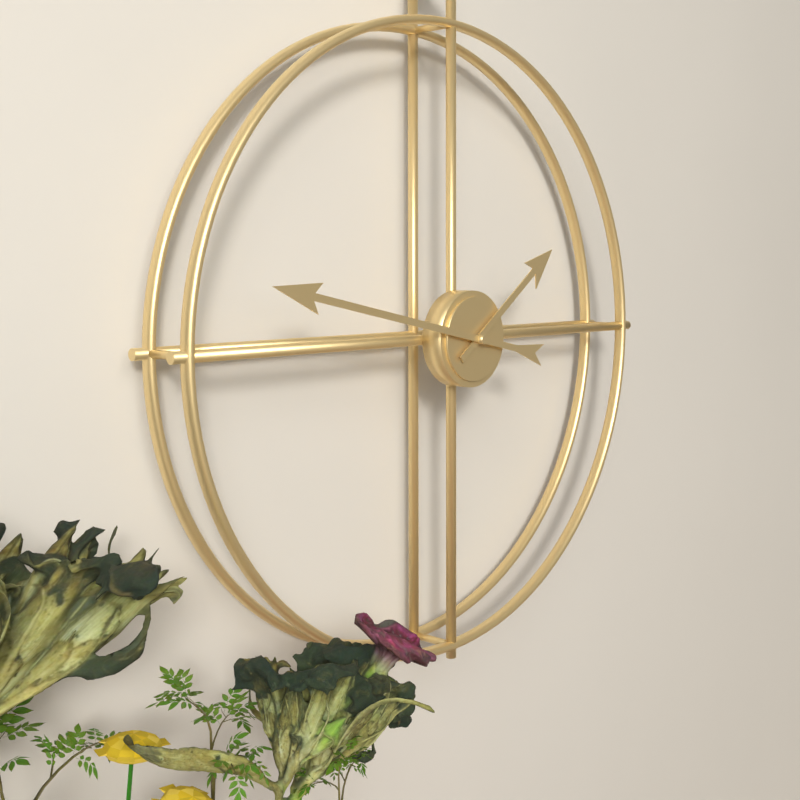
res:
h=1 m=47
